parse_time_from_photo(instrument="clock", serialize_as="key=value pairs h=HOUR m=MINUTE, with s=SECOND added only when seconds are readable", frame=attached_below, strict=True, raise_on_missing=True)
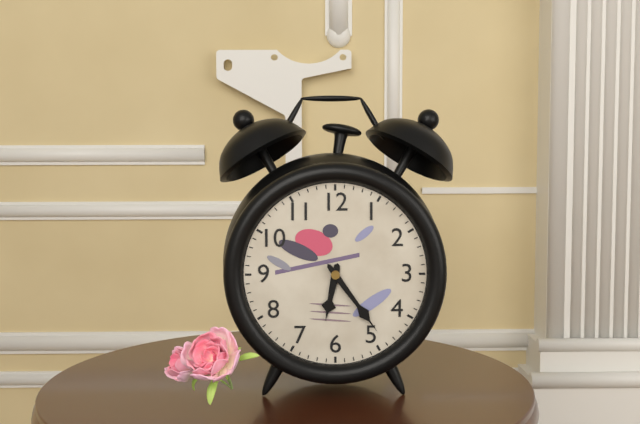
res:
h=6 m=24
